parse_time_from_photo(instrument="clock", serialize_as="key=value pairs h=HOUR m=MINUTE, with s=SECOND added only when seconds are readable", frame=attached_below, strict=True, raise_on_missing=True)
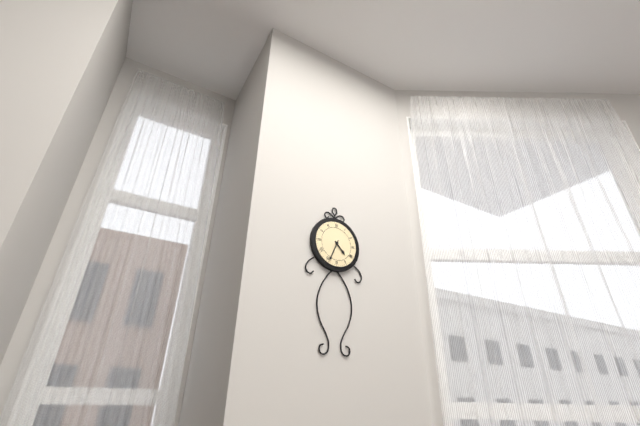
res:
h=4 m=34
